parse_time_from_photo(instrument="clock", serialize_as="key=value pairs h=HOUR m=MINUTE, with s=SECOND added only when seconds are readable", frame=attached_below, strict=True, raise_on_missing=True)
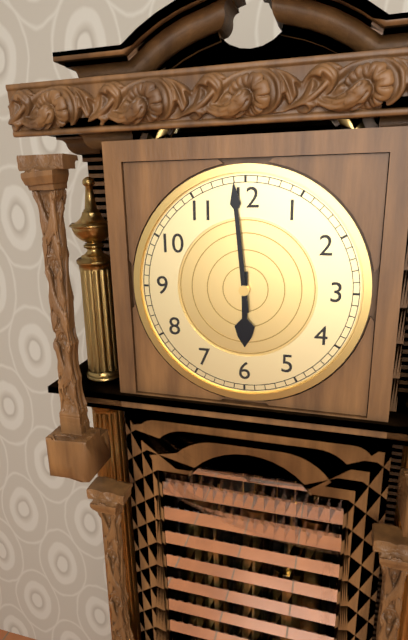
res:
h=5 m=59
